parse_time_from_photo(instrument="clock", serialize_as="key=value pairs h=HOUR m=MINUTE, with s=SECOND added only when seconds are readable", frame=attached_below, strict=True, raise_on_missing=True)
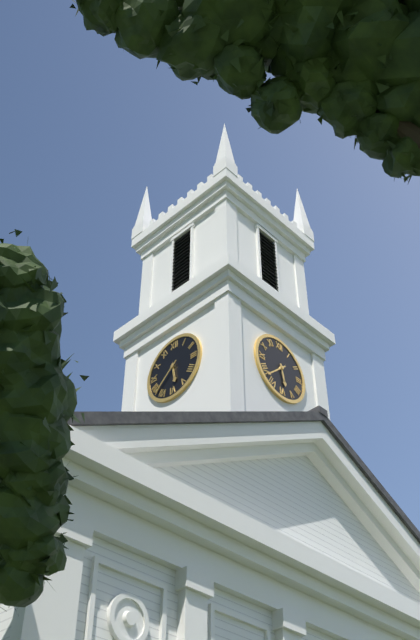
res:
h=5 m=38
